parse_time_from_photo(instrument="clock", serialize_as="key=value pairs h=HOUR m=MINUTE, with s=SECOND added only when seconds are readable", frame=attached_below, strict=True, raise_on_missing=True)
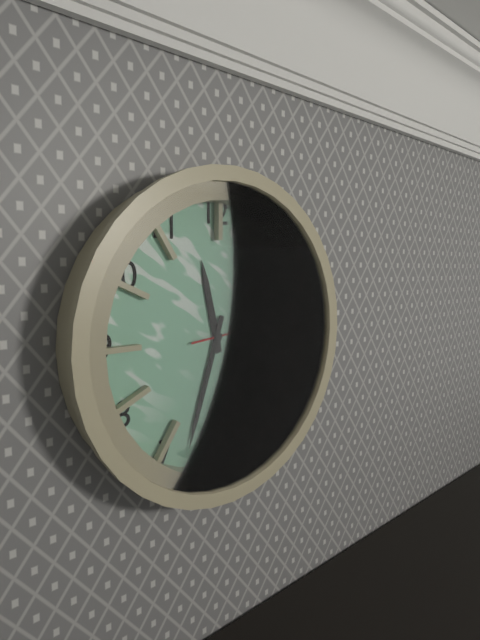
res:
h=11 m=33 s=14
